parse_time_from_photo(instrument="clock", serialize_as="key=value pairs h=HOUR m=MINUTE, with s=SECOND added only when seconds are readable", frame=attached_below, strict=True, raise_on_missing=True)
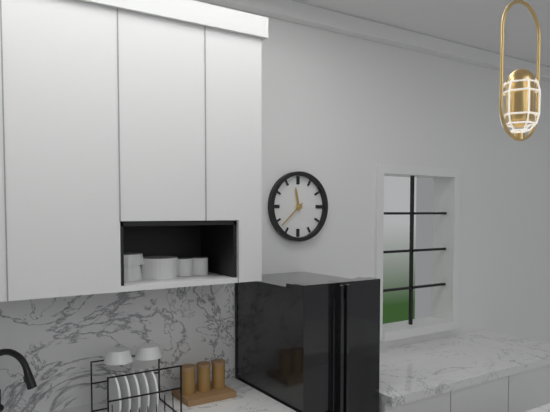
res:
h=11 m=38
